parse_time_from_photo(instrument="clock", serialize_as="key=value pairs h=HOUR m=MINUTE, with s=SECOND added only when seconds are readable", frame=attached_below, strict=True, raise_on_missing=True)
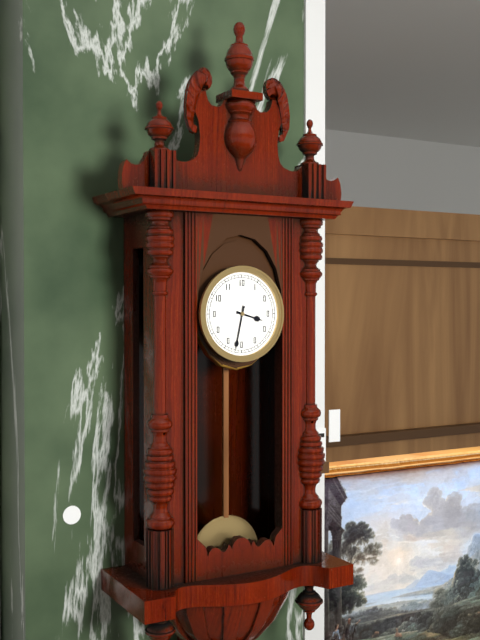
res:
h=3 m=32
